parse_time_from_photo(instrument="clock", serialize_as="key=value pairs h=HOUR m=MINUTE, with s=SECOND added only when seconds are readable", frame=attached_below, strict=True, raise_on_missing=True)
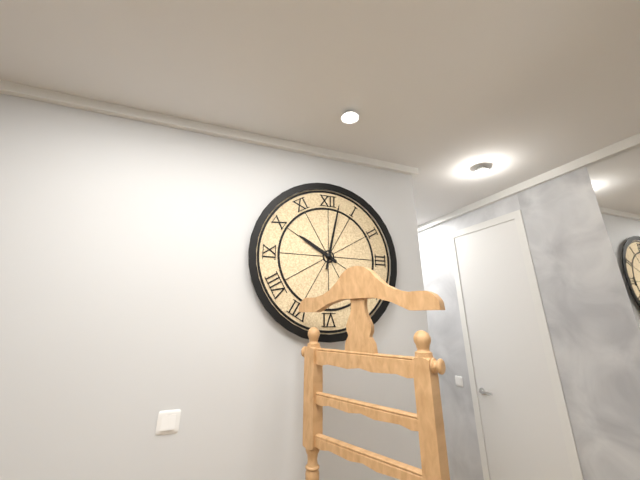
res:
h=10 m=2
